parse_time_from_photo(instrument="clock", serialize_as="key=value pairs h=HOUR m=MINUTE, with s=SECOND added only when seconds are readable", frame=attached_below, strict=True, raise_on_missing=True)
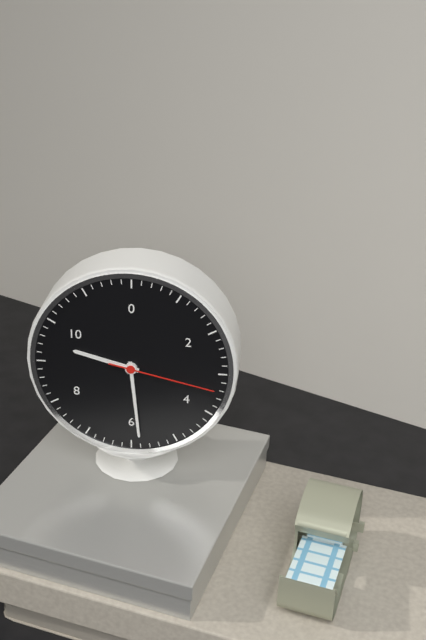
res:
h=9 m=29 s=17
